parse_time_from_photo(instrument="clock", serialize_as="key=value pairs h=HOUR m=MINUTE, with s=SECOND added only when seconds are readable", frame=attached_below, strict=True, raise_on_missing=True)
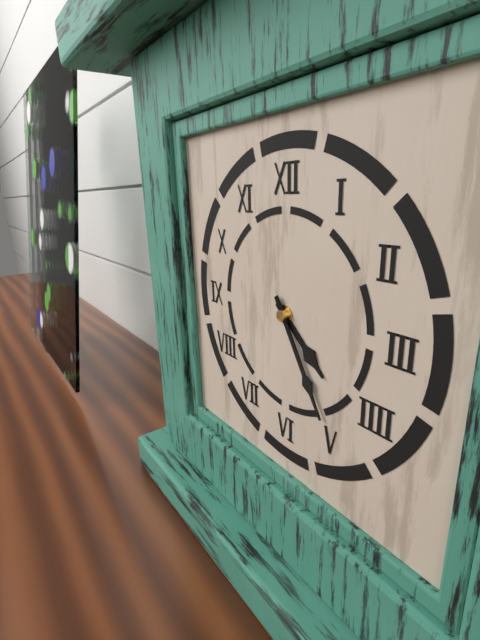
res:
h=4 m=25
